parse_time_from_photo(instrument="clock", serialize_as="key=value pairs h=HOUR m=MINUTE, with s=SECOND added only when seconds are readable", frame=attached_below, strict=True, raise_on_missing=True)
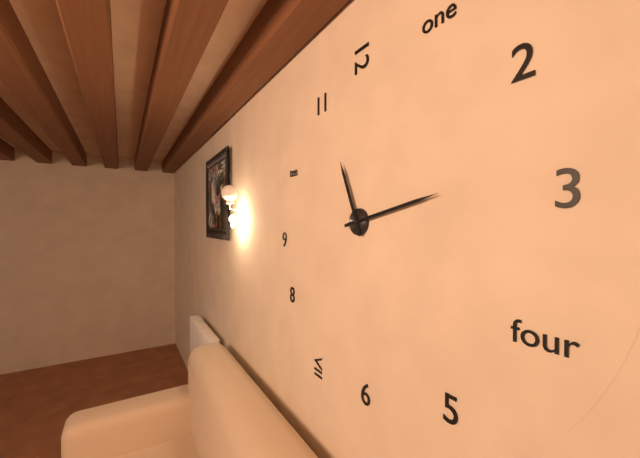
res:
h=11 m=13
